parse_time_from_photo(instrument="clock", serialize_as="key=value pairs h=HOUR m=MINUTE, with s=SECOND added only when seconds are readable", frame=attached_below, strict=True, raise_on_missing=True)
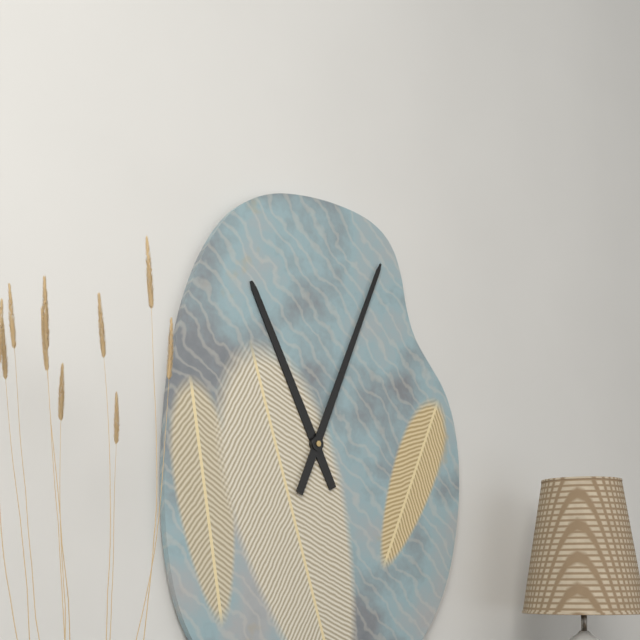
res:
h=11 m=4
